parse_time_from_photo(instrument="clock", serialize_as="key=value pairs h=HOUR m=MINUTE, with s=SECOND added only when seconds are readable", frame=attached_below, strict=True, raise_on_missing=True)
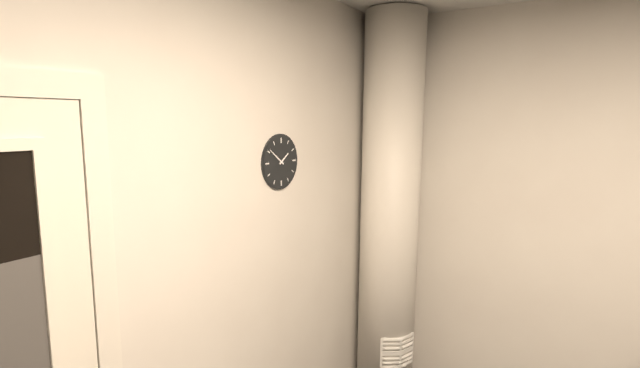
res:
h=1 m=51
